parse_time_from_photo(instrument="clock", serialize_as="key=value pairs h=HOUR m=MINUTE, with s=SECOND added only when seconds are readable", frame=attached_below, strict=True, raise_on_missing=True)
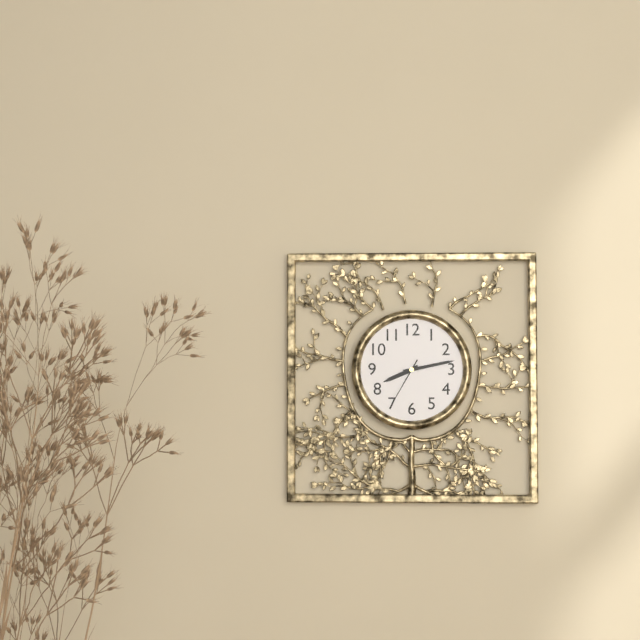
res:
h=8 m=13 s=35
